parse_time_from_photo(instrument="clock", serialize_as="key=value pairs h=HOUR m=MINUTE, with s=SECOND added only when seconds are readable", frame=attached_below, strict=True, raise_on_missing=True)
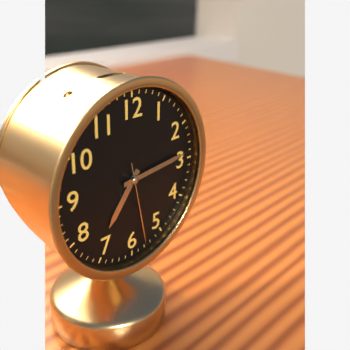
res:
h=7 m=14 s=28
